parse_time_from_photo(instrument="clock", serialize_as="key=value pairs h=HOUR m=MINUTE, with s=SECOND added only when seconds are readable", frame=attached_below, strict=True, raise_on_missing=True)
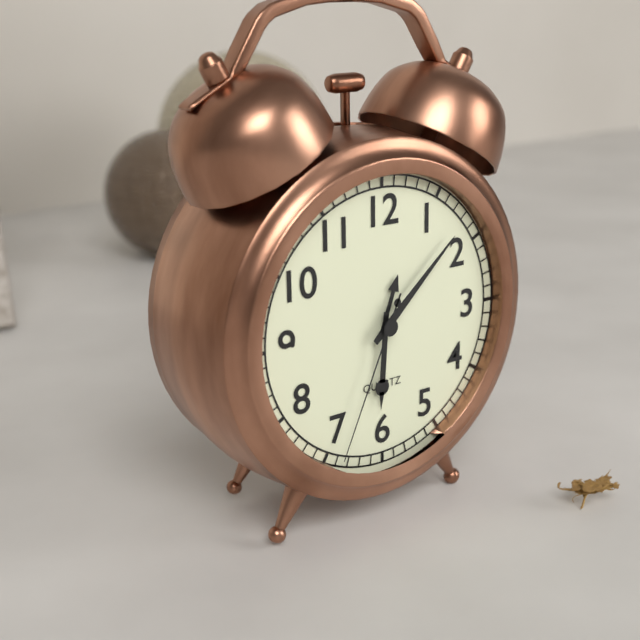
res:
h=6 m=8 s=34
